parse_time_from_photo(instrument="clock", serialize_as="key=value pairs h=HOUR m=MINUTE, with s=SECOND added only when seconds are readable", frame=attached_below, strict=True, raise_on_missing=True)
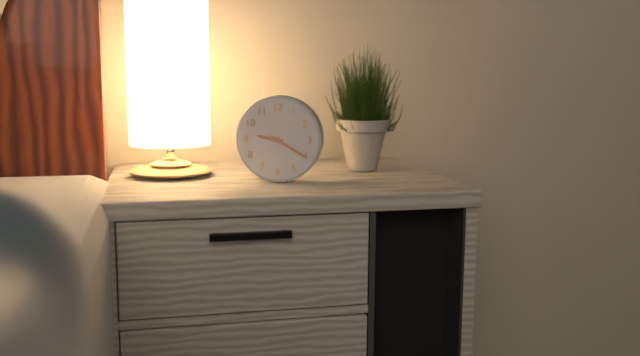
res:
h=9 m=20
